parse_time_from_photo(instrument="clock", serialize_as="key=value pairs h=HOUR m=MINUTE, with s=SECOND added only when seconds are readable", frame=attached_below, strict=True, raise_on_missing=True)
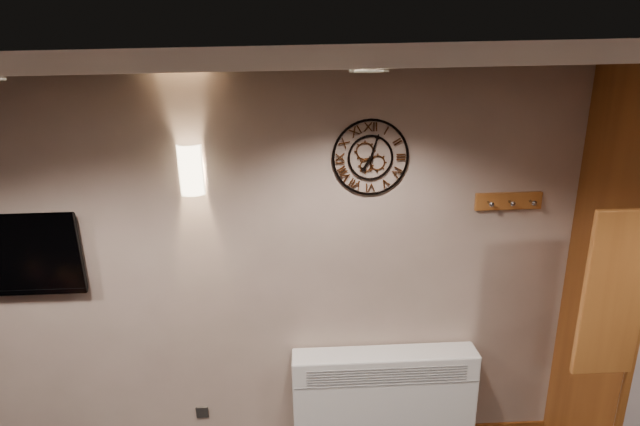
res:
h=7 m=3
